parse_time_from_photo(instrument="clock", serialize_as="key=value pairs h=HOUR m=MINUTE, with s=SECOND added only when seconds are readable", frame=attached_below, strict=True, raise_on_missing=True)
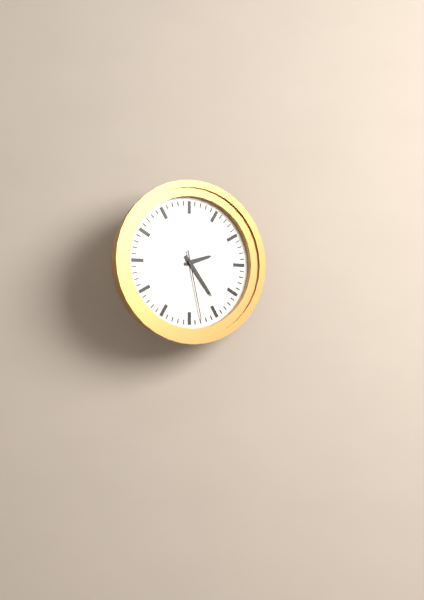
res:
h=2 m=24 s=28
